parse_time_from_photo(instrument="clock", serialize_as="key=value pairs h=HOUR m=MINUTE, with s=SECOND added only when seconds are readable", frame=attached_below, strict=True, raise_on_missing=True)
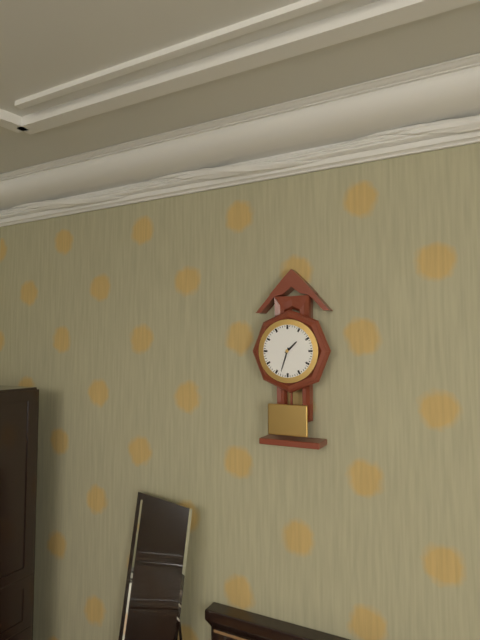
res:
h=1 m=33
